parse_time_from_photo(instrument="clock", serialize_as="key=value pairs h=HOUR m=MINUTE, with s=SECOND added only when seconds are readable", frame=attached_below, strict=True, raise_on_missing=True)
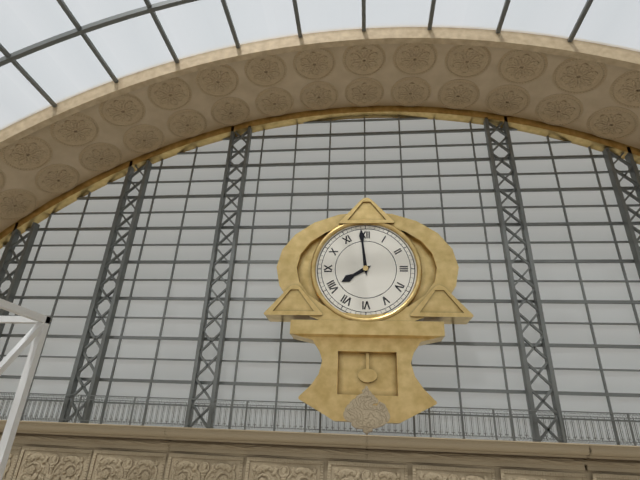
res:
h=7 m=59
